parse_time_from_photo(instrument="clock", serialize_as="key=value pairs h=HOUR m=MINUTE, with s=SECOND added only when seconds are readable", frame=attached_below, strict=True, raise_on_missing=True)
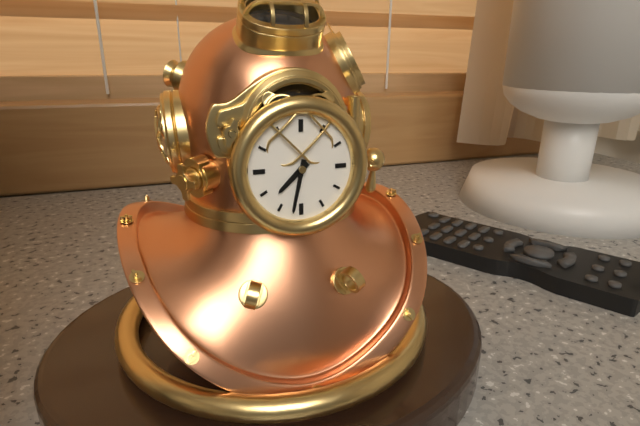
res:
h=7 m=32
